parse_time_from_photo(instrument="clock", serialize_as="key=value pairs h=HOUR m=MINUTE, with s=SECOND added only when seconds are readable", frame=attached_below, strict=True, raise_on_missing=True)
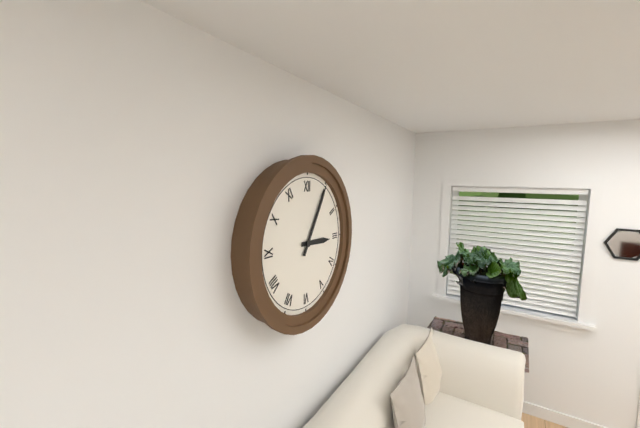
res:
h=3 m=5
